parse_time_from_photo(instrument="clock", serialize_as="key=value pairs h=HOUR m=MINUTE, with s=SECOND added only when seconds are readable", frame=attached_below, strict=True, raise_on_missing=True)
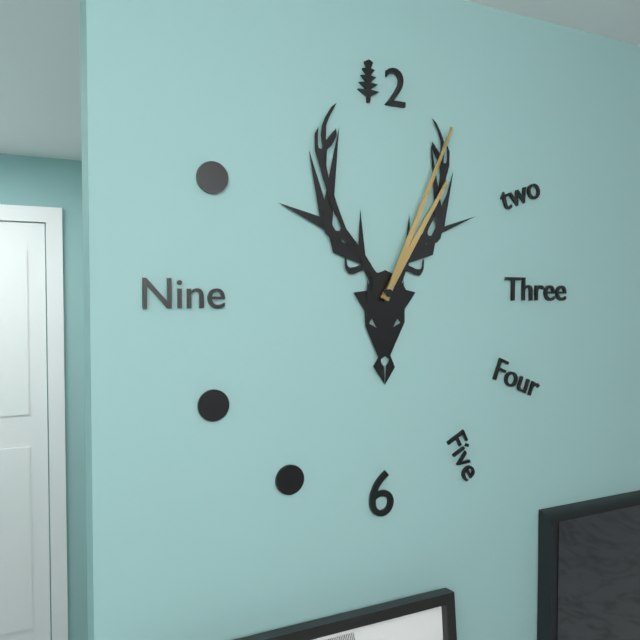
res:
h=1 m=4
